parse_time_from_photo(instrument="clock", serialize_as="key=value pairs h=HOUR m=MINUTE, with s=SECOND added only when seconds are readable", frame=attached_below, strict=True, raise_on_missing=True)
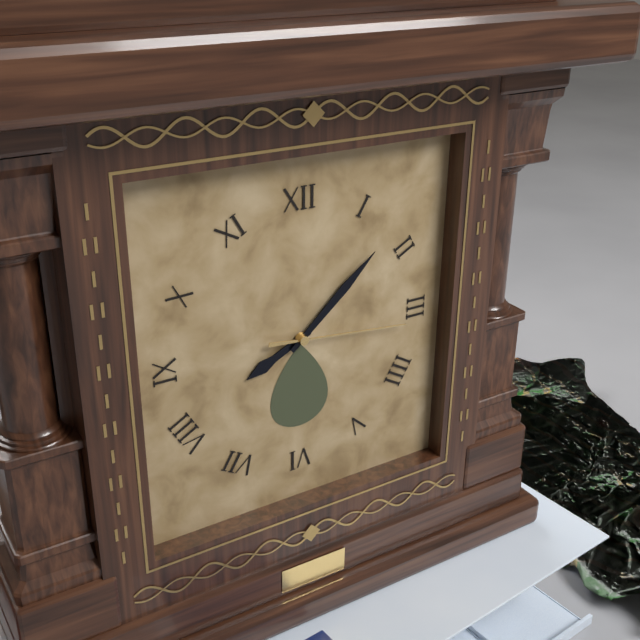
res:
h=8 m=8 s=16
